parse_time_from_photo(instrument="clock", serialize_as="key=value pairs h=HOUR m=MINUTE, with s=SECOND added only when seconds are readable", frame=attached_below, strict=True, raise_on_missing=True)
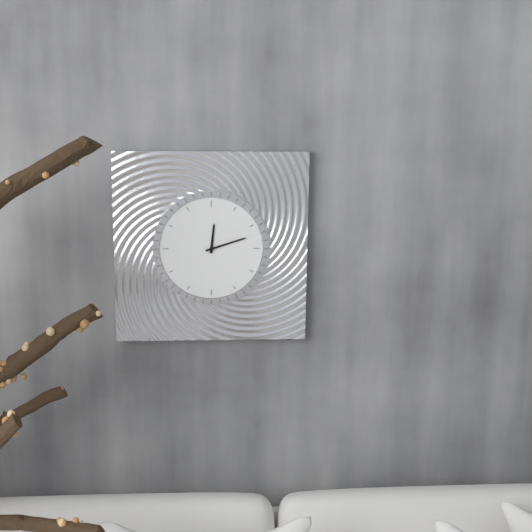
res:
h=12 m=12
